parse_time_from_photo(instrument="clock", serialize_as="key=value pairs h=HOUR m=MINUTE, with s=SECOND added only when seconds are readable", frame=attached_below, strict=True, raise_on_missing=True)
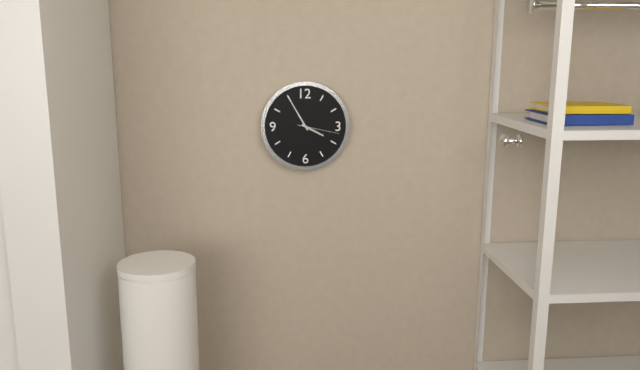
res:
h=3 m=55
